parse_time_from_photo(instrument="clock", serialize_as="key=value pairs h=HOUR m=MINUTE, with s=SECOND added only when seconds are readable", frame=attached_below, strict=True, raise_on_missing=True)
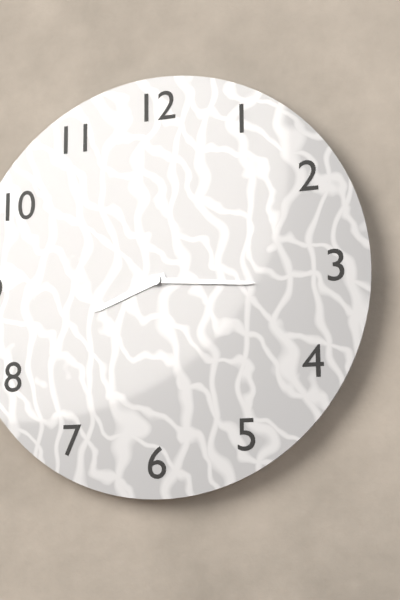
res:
h=8 m=16
